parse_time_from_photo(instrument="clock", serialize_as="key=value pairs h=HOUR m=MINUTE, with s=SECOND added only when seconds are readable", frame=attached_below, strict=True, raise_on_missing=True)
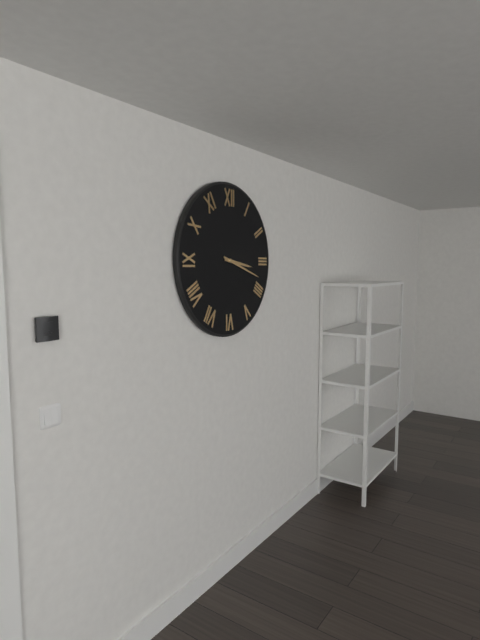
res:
h=3 m=18
